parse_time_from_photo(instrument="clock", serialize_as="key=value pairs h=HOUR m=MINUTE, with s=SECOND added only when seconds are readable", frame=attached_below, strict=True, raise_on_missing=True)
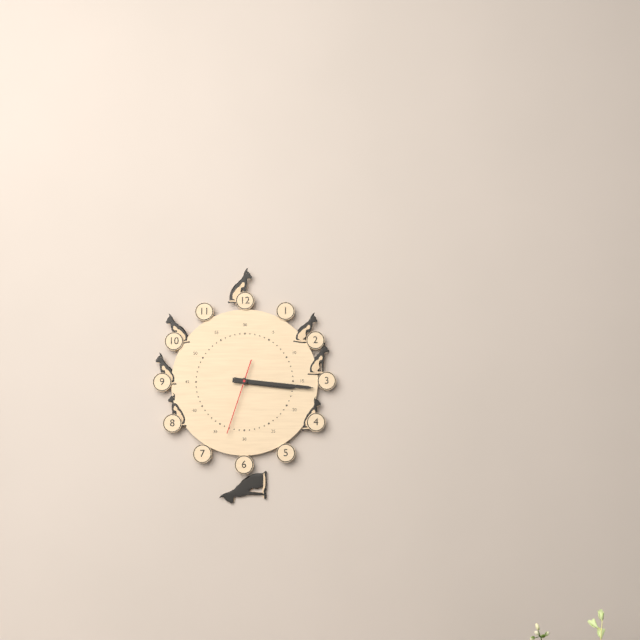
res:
h=3 m=16 s=33
